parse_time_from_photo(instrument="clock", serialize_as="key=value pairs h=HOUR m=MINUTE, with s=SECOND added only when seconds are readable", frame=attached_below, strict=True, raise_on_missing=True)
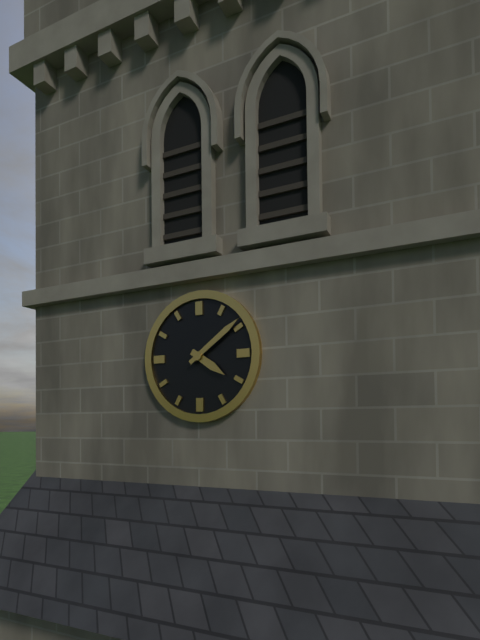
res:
h=4 m=9
